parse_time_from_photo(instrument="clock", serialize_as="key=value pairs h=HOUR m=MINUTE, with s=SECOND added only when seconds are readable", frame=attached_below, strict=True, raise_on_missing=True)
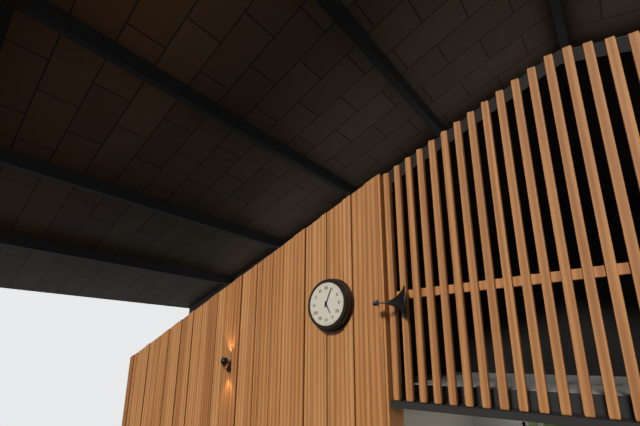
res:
h=5 m=4
